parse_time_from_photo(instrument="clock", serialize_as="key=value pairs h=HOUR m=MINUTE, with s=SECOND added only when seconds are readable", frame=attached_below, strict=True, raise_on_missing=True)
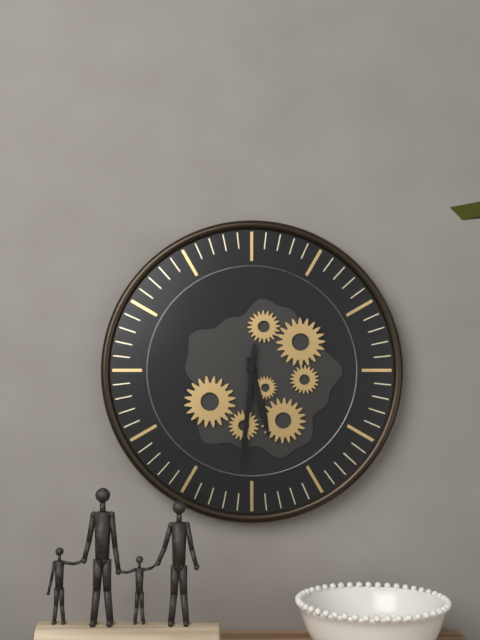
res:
h=5 m=31
